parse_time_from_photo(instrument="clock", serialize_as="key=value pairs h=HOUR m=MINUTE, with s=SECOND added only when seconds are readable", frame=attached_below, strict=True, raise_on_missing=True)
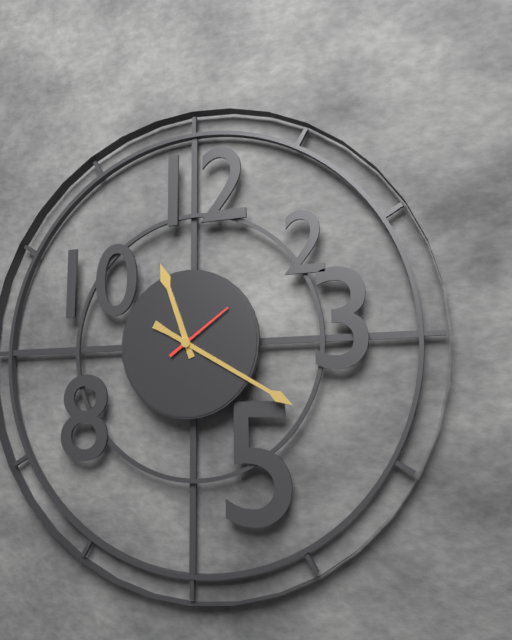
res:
h=11 m=20 s=9
